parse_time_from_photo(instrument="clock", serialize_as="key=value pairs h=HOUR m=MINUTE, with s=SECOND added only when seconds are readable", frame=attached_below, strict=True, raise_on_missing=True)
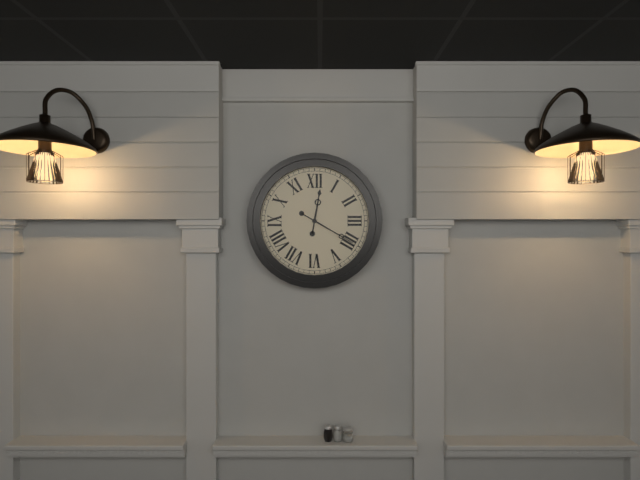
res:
h=12 m=20
